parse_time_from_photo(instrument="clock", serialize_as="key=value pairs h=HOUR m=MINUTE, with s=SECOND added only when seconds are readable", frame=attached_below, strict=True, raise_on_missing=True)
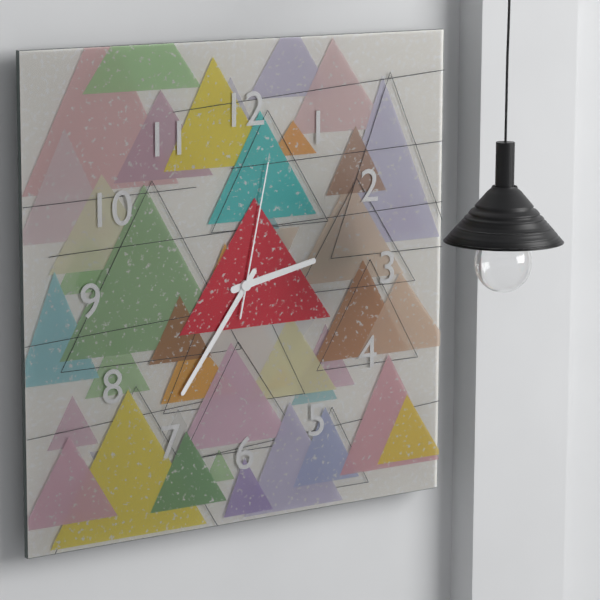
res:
h=2 m=36 s=2
